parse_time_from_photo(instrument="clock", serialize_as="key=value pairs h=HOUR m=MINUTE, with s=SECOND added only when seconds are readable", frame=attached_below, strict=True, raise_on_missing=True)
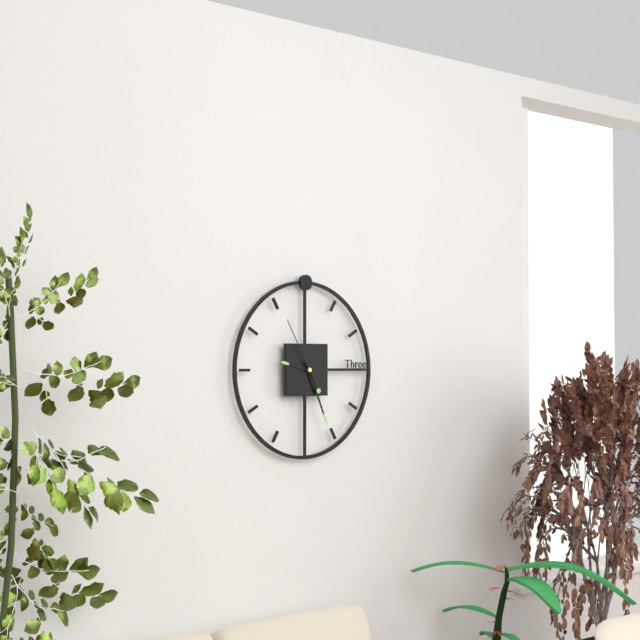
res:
h=9 m=26 s=55
